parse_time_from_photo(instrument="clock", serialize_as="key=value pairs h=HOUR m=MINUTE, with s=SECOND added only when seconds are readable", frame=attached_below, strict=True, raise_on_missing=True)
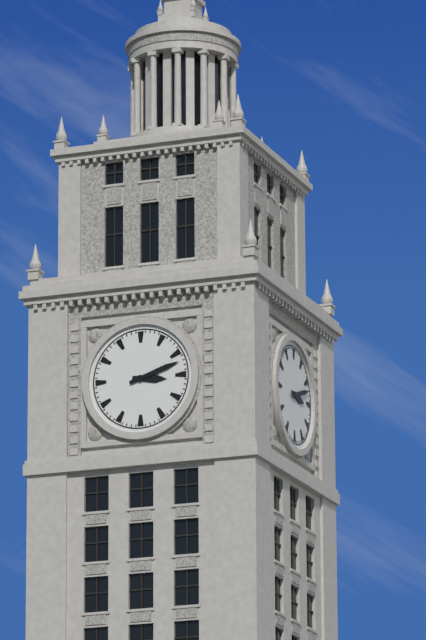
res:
h=3 m=12
